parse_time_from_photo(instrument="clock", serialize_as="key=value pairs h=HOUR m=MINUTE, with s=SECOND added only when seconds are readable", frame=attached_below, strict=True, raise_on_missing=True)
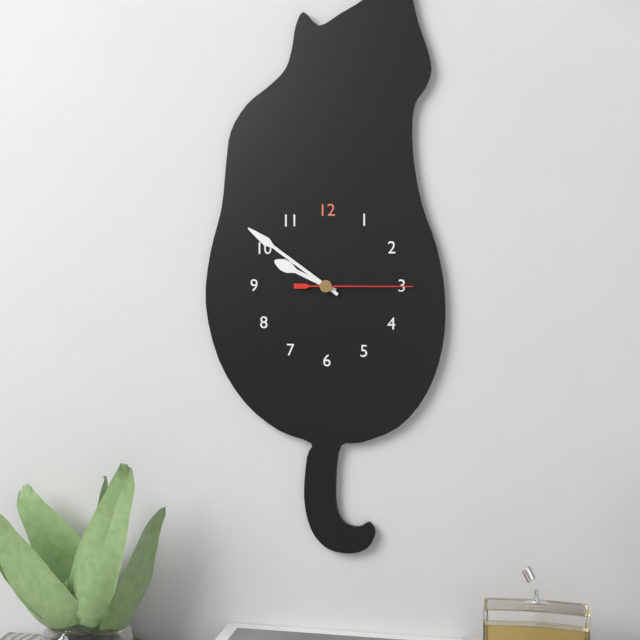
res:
h=9 m=51 s=15
